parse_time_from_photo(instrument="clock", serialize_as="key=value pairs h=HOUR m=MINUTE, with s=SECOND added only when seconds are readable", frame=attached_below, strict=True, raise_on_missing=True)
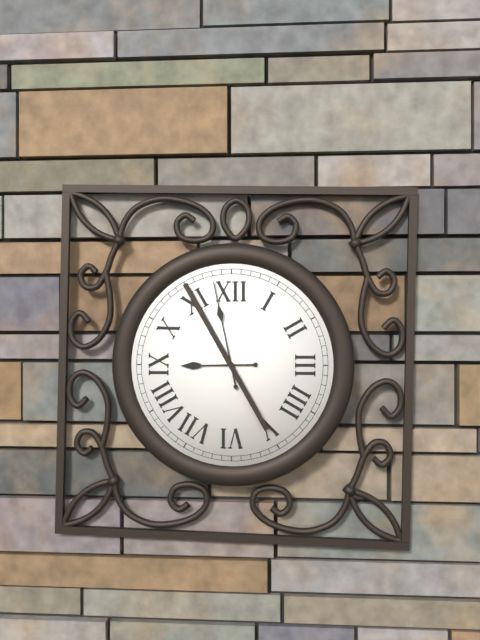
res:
h=8 m=58
